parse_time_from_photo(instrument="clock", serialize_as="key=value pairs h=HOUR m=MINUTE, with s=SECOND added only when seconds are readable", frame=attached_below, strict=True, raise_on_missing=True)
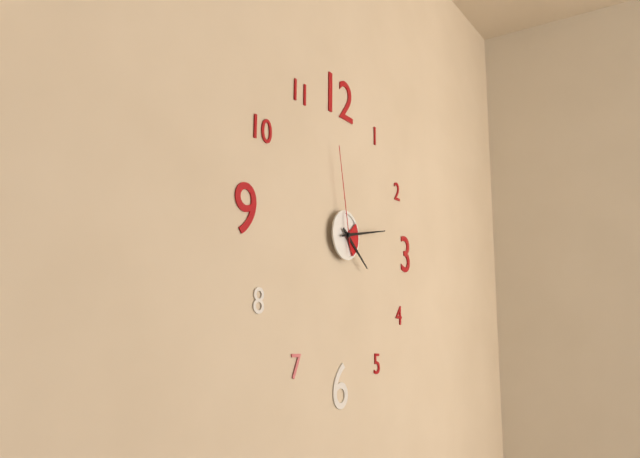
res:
h=4 m=13 s=58
